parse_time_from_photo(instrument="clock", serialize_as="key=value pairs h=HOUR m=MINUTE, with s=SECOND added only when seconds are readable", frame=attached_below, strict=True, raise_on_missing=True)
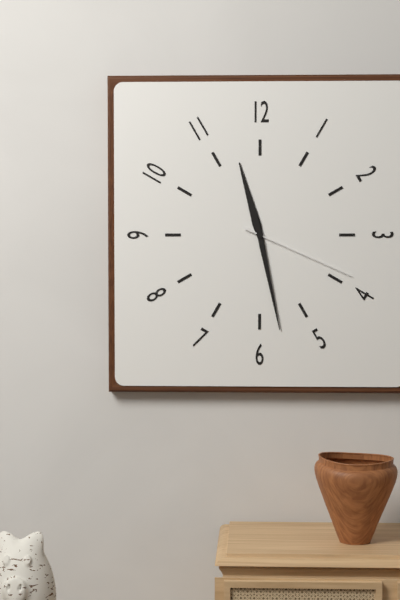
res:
h=11 m=28 s=19
